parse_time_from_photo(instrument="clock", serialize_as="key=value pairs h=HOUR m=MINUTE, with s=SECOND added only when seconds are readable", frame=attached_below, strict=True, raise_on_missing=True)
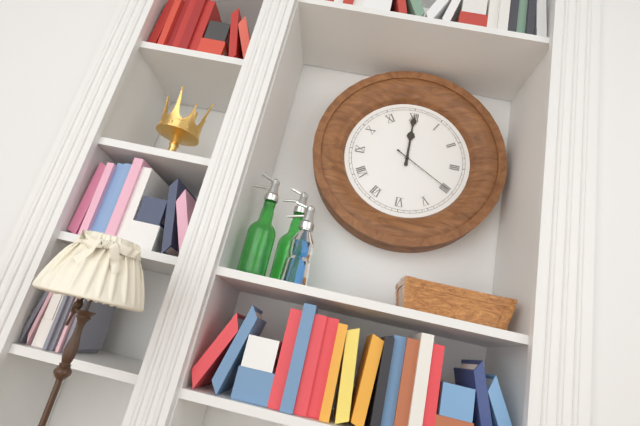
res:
h=12 m=0 s=20
